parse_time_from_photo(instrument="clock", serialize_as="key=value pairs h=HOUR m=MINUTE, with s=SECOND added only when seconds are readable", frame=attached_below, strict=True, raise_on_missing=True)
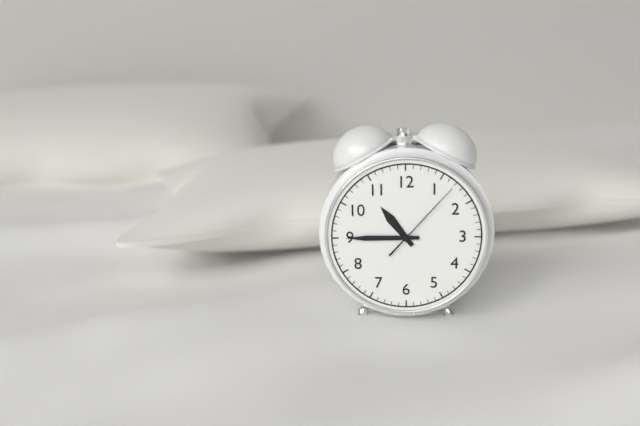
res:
h=10 m=45 s=7
